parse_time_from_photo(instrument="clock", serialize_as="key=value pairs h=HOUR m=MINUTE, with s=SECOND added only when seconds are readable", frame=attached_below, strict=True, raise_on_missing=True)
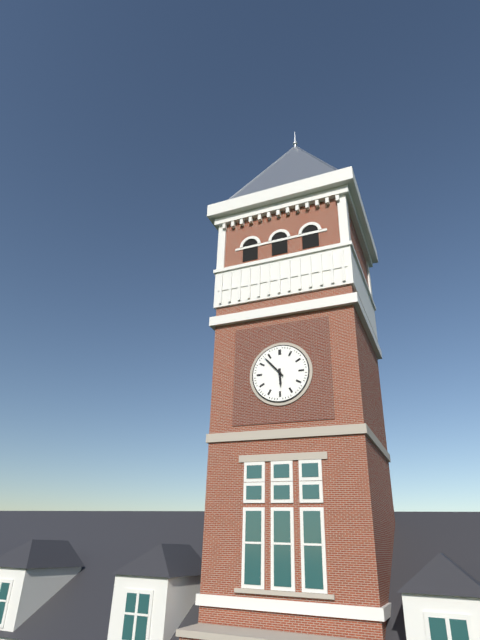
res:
h=5 m=53
